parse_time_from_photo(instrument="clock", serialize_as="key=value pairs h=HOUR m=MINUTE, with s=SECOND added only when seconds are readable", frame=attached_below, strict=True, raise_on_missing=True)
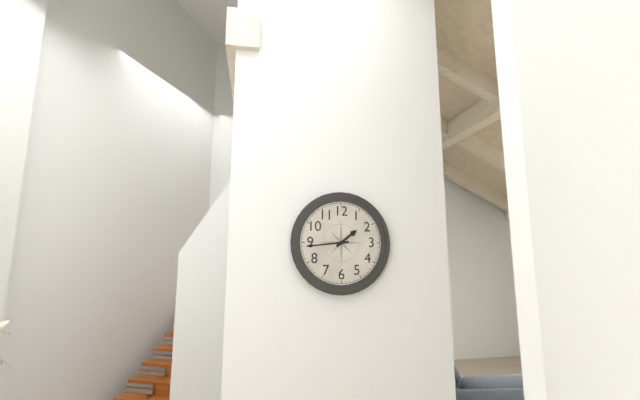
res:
h=1 m=44
